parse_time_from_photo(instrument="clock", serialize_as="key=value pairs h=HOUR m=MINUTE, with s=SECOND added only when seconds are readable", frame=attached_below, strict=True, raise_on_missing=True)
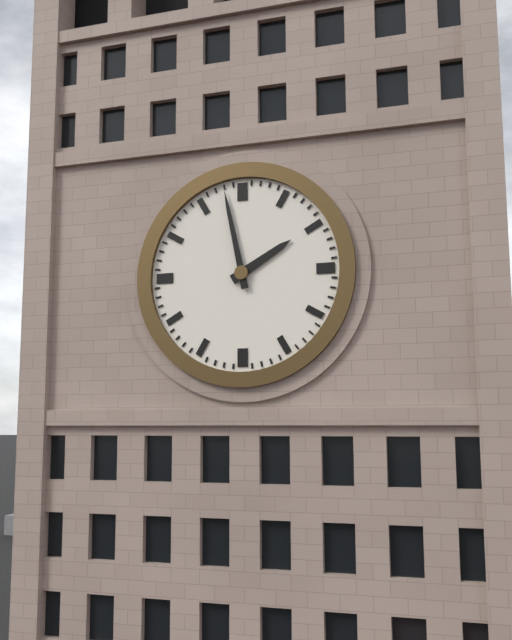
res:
h=1 m=58
